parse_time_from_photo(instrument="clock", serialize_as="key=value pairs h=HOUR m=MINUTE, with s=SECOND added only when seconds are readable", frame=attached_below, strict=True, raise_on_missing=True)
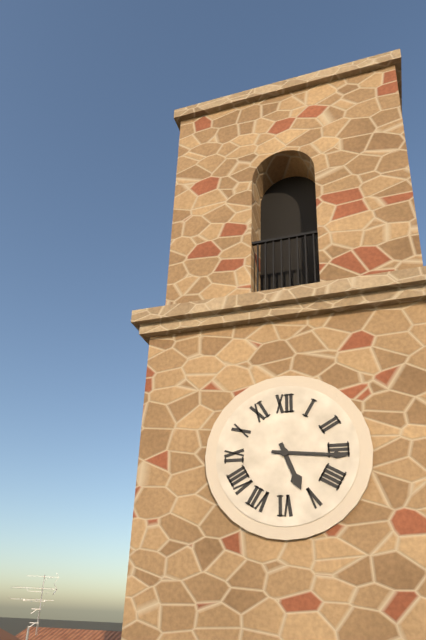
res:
h=5 m=16
